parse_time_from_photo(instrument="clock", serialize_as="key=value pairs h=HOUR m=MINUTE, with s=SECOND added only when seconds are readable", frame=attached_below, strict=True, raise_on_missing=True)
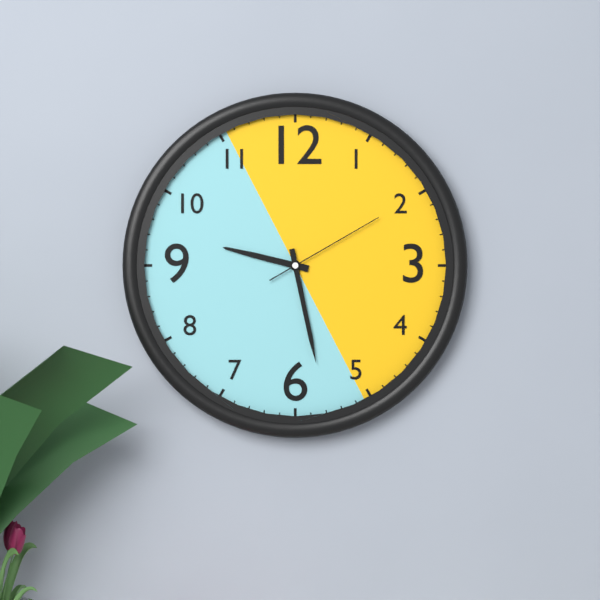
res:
h=9 m=28 s=10
